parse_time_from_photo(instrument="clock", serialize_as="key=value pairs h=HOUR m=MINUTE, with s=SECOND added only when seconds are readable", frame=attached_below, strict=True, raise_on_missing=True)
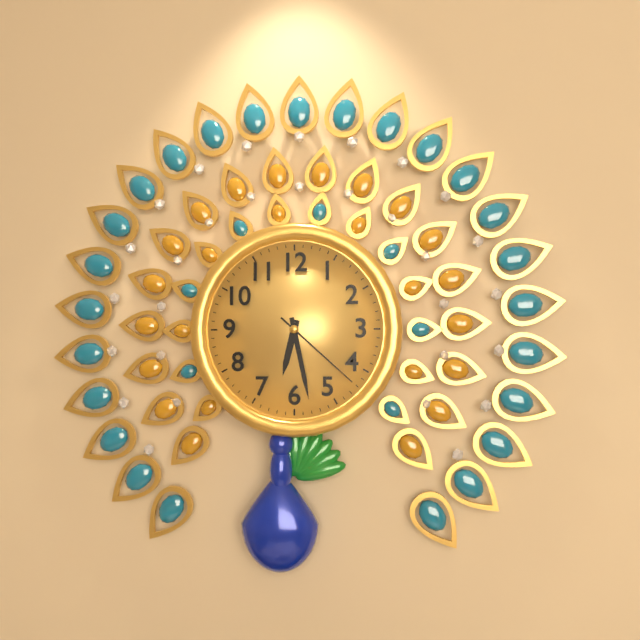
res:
h=6 m=28 s=22
